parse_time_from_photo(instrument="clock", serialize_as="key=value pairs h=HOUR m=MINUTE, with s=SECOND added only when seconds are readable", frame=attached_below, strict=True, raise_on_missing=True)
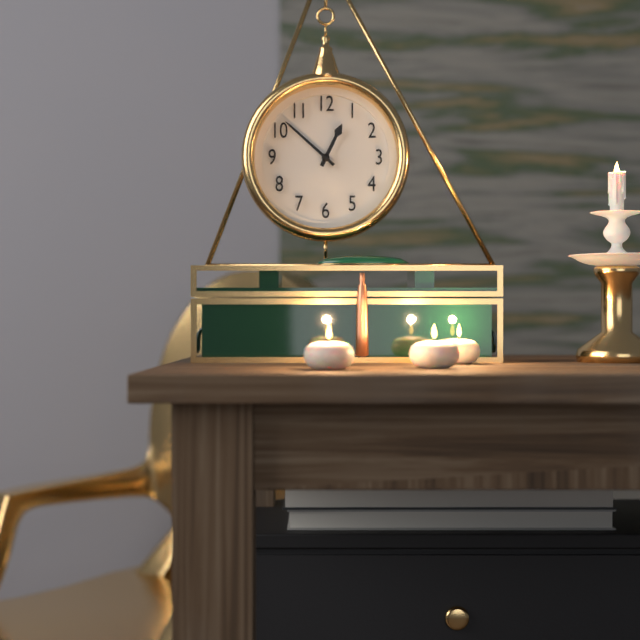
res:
h=12 m=52
